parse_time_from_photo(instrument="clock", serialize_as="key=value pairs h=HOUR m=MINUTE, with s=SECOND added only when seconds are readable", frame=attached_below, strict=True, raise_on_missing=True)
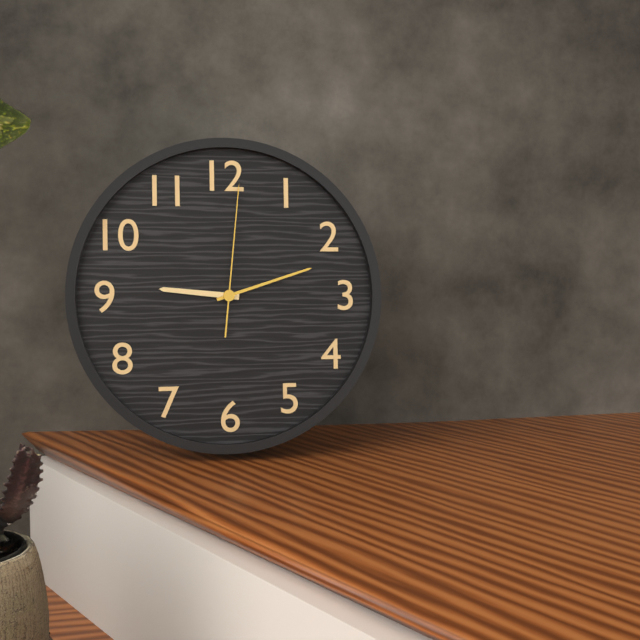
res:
h=9 m=12 s=1
